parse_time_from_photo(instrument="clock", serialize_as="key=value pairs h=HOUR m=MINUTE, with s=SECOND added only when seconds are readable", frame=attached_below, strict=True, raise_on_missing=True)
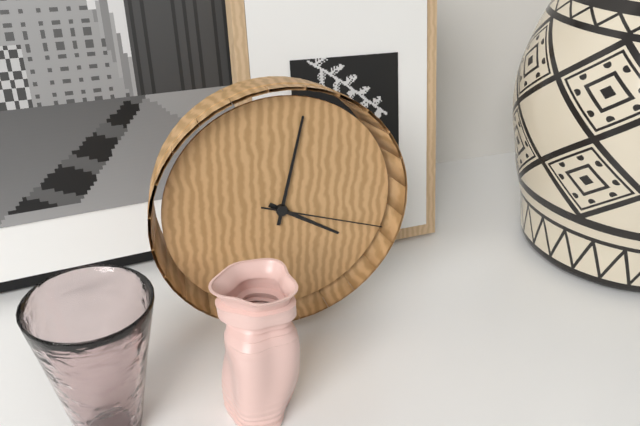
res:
h=4 m=2 s=18
